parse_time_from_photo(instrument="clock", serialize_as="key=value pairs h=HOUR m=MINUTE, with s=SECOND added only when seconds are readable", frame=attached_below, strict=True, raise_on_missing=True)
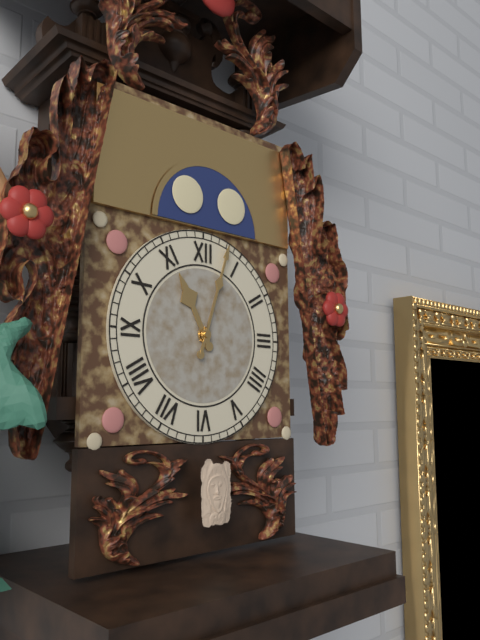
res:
h=11 m=3
